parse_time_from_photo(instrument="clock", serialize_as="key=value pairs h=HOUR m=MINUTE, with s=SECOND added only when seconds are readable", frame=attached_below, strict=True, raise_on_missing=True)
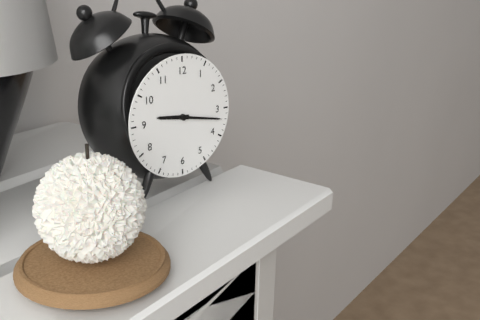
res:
h=9 m=17
